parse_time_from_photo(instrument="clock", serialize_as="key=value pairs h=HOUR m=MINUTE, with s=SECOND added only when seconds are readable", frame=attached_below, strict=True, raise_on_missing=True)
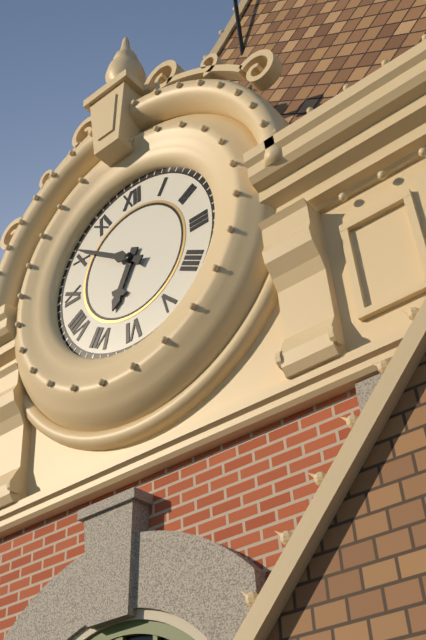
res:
h=6 m=51
